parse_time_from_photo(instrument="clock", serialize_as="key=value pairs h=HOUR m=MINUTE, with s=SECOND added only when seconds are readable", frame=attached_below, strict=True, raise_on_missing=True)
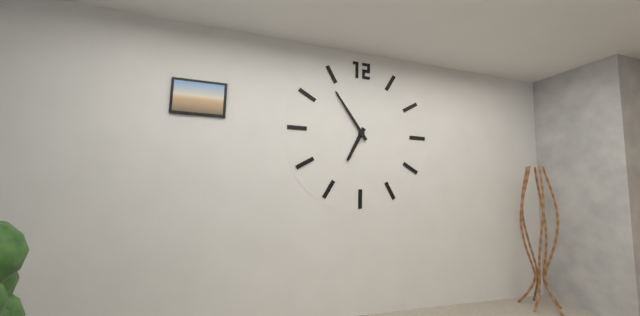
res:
h=6 m=54
